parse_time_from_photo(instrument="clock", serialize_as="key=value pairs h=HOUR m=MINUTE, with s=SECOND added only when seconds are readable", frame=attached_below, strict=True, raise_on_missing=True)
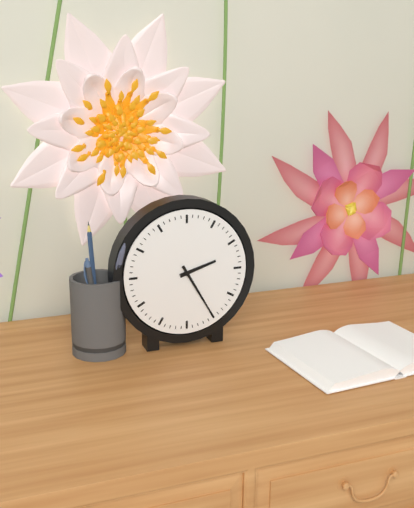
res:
h=2 m=25
